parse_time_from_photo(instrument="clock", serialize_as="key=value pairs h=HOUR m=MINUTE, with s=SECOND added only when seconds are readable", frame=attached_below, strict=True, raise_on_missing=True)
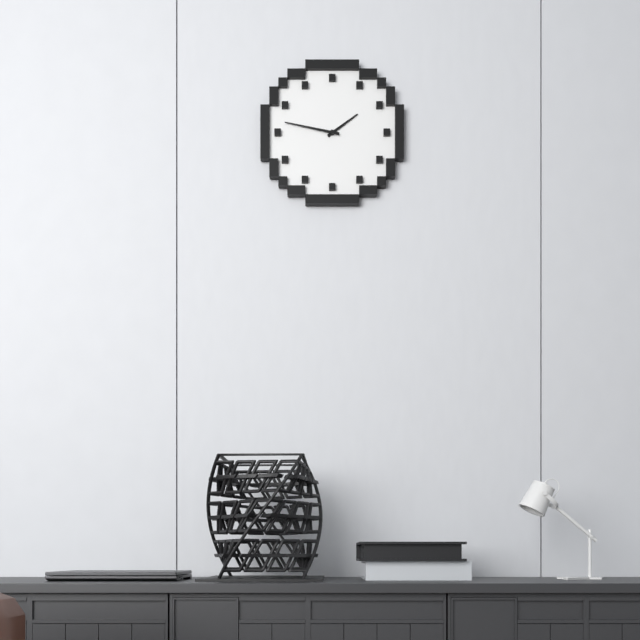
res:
h=1 m=47
